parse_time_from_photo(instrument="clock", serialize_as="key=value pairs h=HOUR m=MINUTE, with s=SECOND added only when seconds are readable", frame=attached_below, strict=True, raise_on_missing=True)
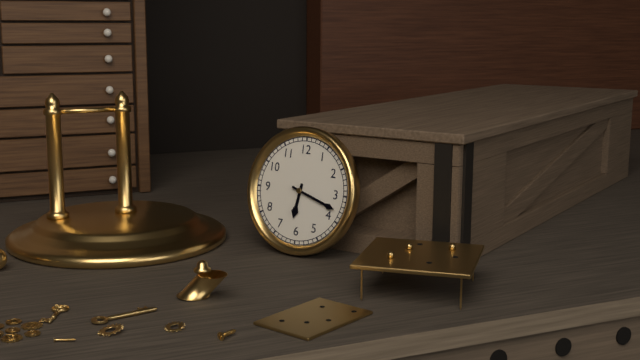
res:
h=6 m=18
